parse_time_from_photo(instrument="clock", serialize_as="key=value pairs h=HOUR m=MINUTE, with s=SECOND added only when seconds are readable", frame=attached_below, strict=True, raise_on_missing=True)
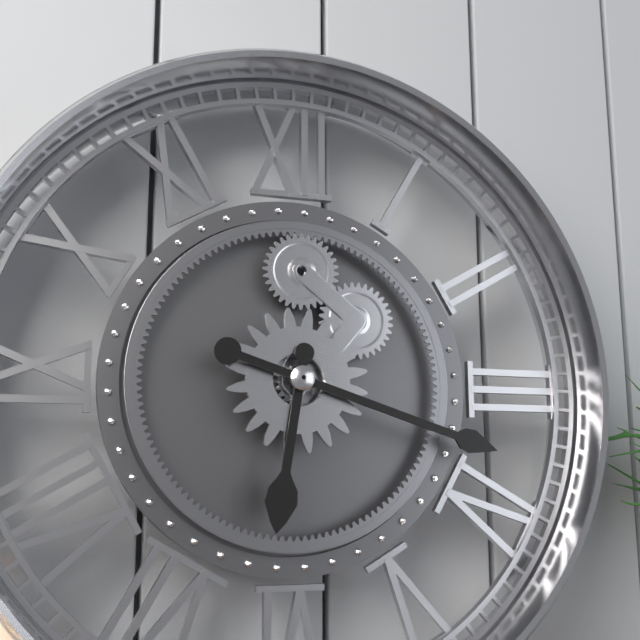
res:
h=6 m=18
